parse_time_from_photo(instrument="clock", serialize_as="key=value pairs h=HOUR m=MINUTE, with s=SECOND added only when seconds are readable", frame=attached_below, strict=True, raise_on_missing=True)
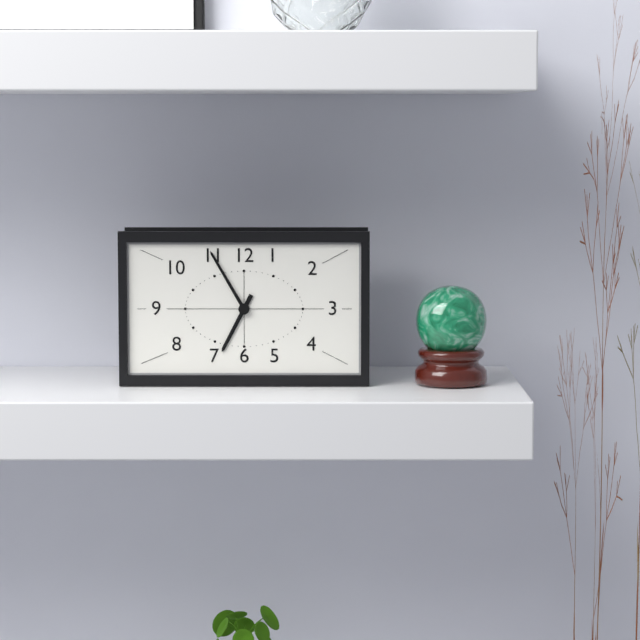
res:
h=6 m=55
